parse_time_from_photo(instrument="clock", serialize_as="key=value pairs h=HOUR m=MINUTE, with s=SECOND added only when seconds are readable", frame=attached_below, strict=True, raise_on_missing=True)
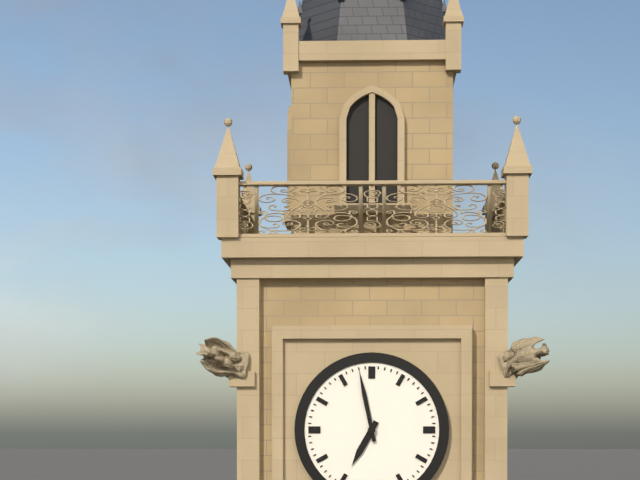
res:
h=6 m=58
